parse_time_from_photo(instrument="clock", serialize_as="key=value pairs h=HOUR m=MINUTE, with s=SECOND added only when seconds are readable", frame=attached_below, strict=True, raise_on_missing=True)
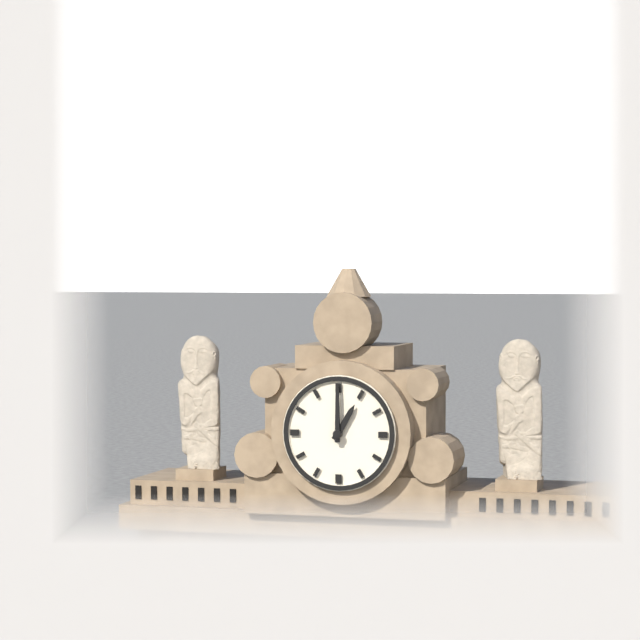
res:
h=1 m=0
